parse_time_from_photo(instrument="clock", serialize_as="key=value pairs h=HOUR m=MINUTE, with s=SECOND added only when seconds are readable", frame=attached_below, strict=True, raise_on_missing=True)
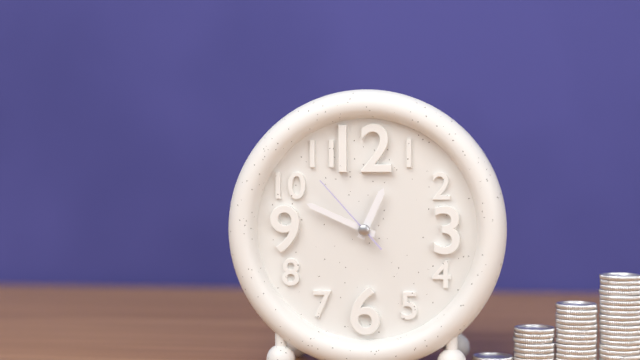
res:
h=12 m=49 s=53
